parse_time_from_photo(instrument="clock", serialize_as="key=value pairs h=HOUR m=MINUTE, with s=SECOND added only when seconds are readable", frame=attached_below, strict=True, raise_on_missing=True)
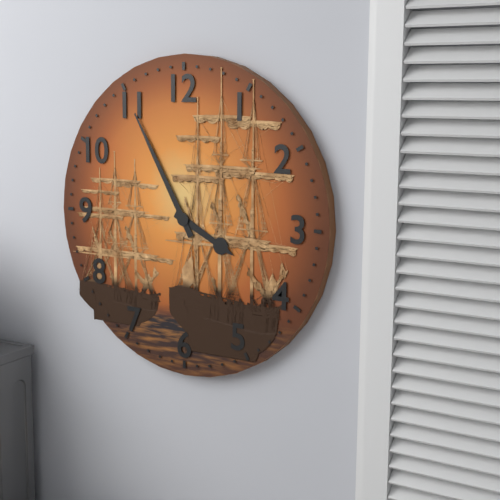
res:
h=3 m=55
